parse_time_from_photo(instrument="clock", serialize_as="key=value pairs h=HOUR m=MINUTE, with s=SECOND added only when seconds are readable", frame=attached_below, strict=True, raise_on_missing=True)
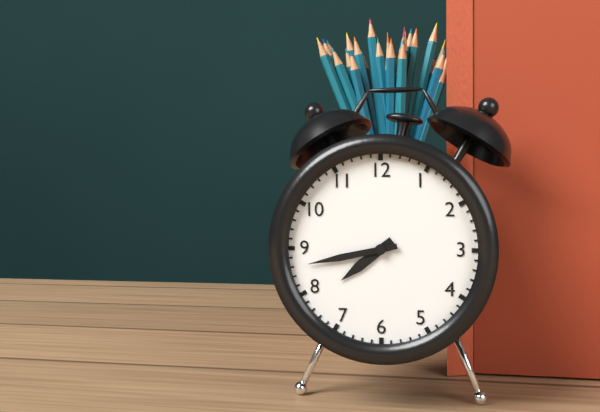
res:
h=7 m=43
